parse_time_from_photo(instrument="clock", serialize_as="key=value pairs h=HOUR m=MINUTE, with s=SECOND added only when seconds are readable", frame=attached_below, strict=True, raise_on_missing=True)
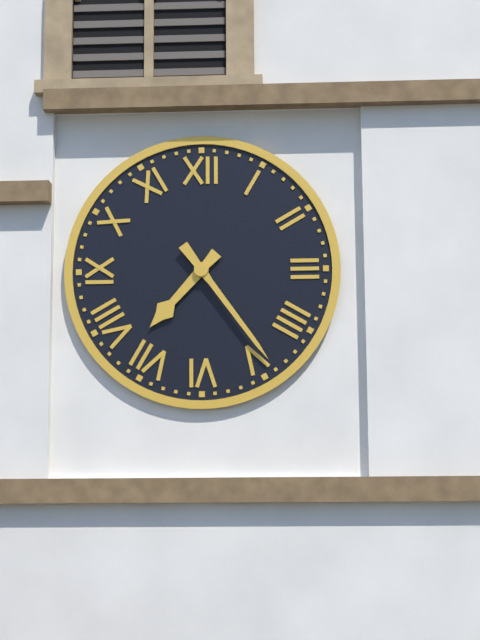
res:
h=7 m=24
